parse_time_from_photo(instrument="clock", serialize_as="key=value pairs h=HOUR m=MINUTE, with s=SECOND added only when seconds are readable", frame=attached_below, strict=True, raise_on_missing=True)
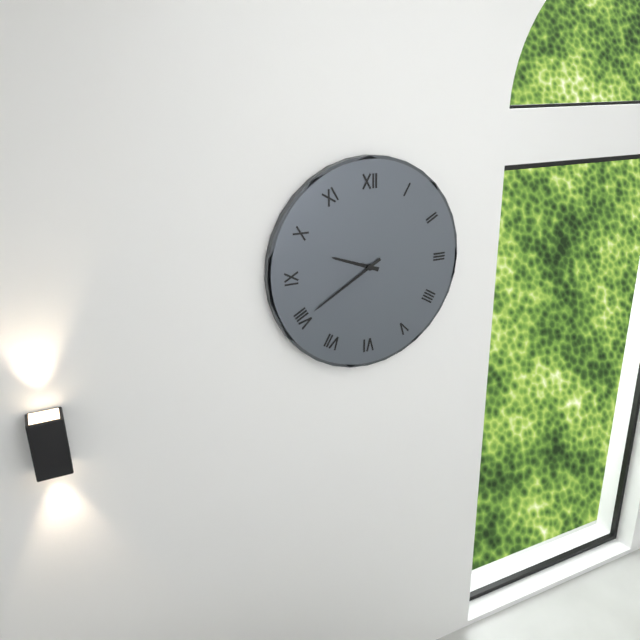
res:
h=9 m=40
